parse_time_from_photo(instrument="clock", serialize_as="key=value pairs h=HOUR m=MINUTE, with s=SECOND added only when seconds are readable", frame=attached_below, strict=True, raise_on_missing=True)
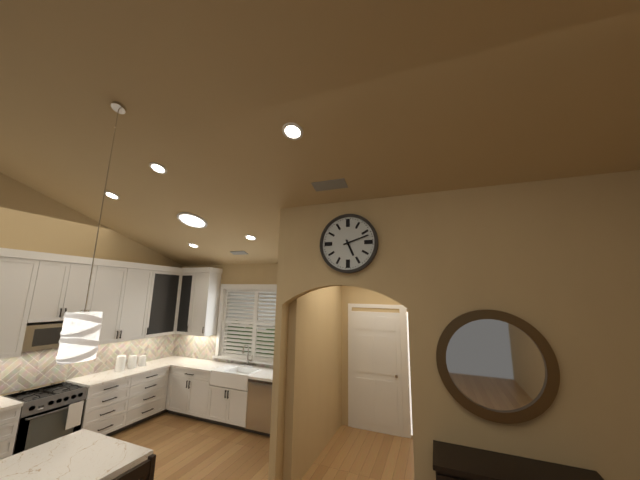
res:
h=5 m=12
